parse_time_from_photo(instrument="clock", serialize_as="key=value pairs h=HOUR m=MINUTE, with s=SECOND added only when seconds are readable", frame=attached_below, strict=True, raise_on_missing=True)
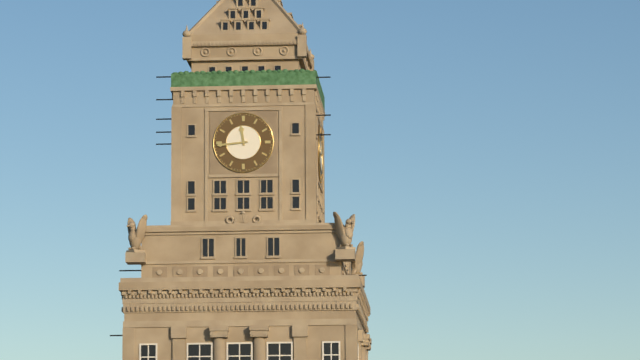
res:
h=11 m=44
